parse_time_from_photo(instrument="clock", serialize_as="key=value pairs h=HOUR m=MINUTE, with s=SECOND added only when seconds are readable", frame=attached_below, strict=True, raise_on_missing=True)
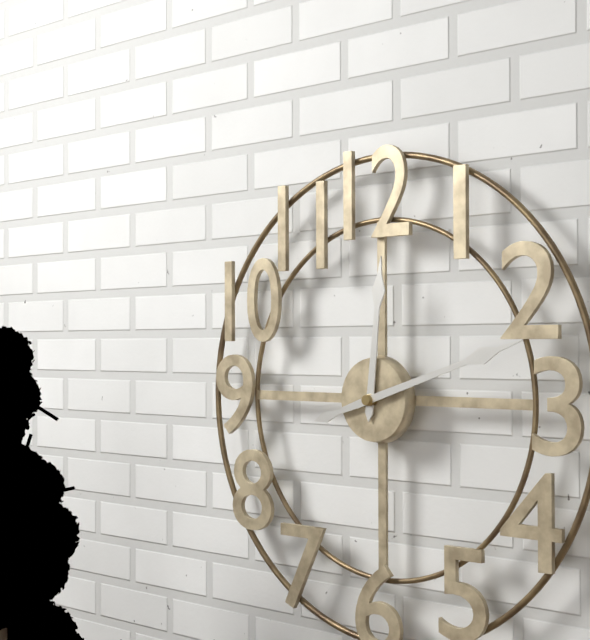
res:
h=12 m=12
